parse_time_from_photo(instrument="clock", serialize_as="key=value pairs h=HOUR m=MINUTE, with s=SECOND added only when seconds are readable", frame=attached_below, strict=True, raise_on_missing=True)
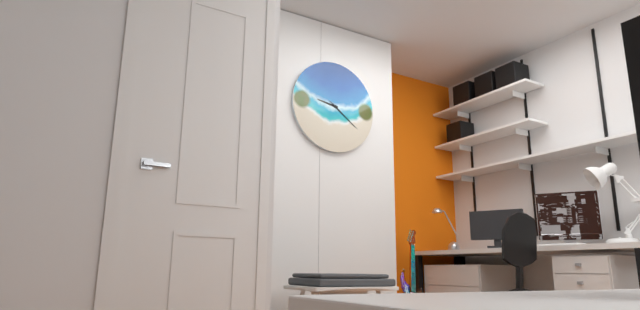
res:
h=9 m=21
